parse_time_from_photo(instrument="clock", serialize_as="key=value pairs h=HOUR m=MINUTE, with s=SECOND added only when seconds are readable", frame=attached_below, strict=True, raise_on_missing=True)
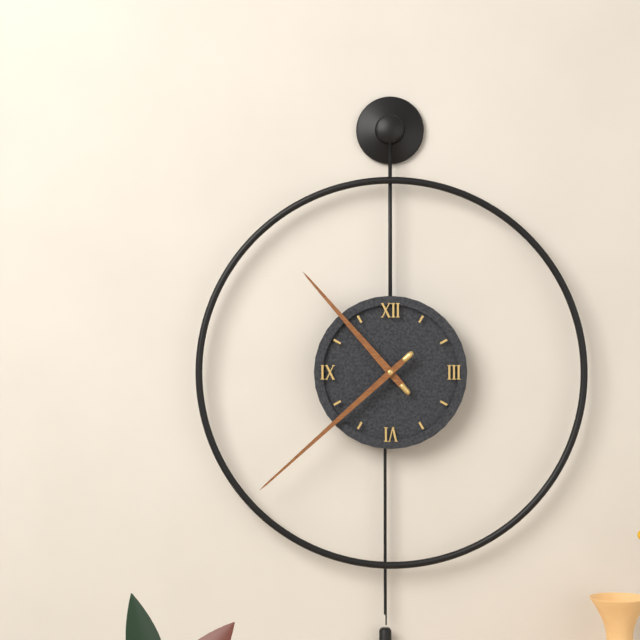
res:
h=10 m=38
